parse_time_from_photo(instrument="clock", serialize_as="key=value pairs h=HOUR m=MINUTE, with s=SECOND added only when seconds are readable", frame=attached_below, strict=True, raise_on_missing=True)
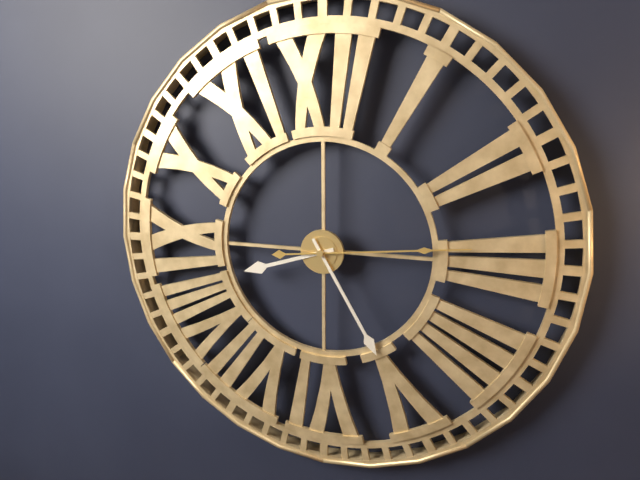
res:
h=8 m=25 s=14
